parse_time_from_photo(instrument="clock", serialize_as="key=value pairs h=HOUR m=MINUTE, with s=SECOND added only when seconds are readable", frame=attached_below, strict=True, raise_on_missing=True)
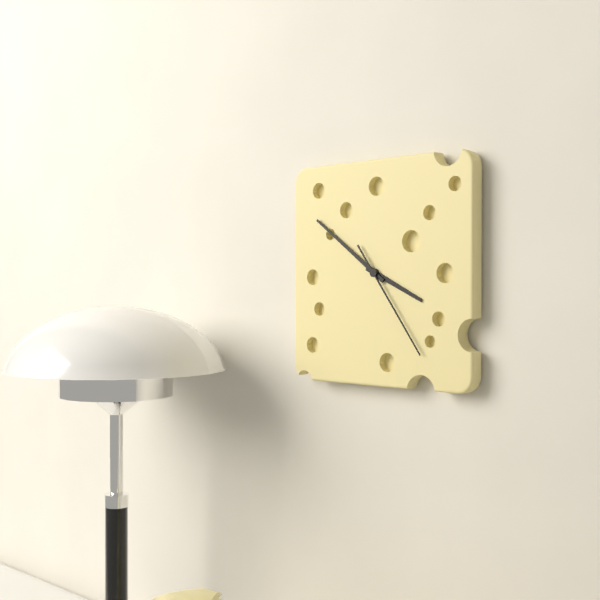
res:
h=3 m=51 s=24
